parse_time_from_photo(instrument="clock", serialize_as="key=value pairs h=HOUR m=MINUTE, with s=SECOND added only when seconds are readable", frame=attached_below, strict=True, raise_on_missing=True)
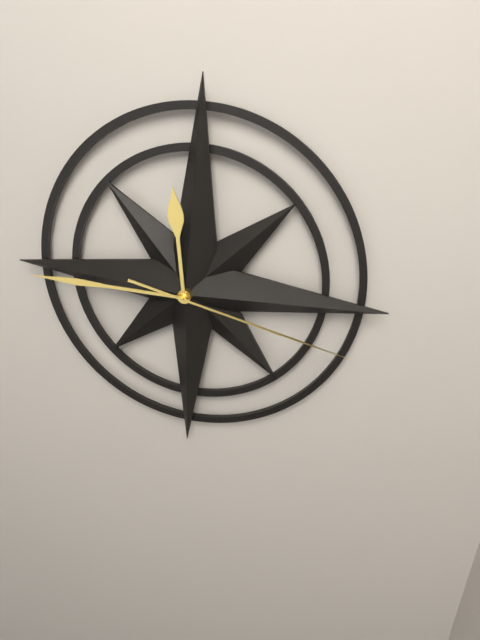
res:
h=11 m=45 s=17
